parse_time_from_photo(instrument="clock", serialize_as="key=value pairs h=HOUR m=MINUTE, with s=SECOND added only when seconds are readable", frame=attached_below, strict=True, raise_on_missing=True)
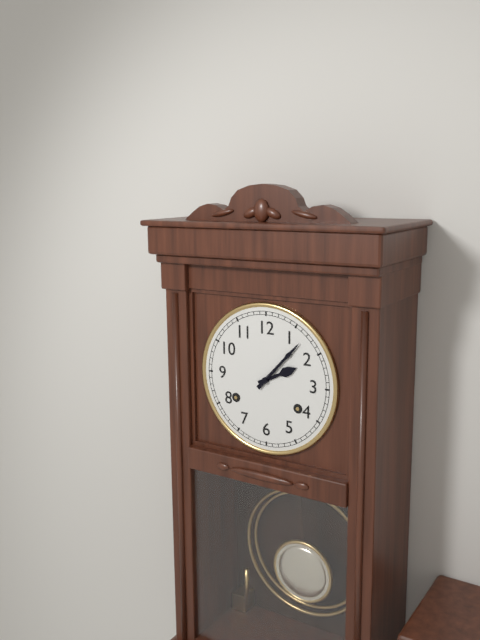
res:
h=2 m=7
